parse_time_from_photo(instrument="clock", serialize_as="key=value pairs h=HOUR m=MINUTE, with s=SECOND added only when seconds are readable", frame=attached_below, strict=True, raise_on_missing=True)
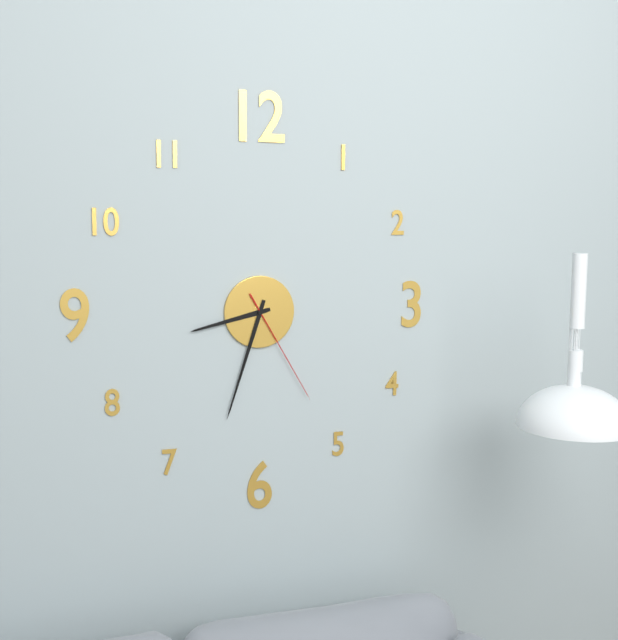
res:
h=8 m=33 s=25
